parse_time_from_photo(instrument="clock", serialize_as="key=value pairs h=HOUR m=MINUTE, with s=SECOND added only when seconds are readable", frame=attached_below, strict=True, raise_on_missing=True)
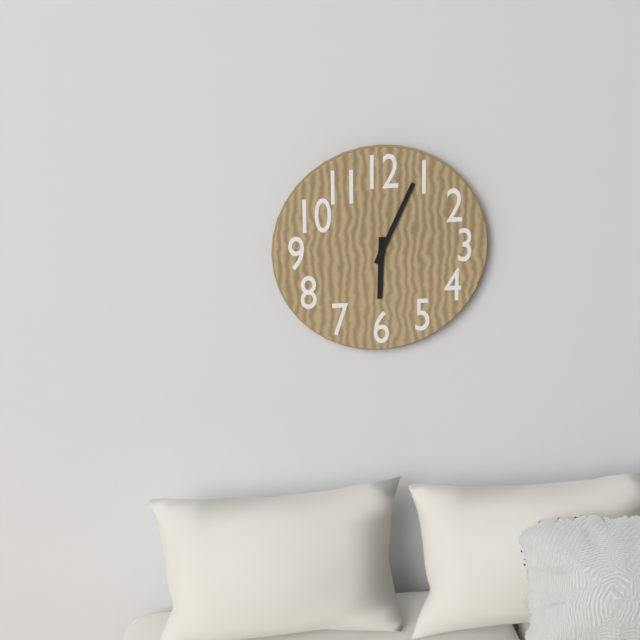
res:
h=6 m=4
